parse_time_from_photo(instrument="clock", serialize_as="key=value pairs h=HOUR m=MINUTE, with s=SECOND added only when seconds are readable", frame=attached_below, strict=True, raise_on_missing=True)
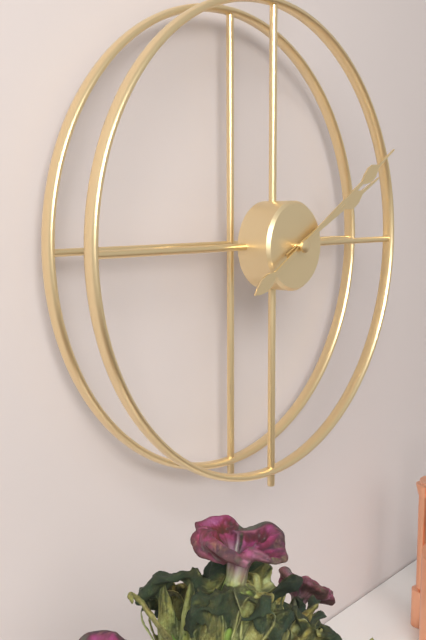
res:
h=2 m=10
